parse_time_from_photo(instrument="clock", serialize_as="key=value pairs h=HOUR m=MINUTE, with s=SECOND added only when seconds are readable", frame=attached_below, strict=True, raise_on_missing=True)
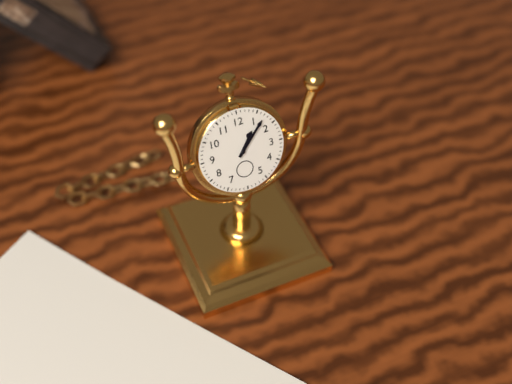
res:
h=1 m=7
